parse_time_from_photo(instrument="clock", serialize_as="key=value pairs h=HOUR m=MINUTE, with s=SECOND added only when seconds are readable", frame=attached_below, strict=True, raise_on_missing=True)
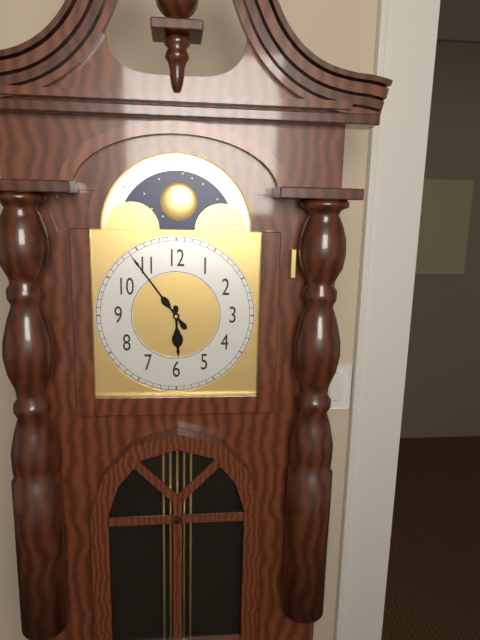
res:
h=5 m=54
